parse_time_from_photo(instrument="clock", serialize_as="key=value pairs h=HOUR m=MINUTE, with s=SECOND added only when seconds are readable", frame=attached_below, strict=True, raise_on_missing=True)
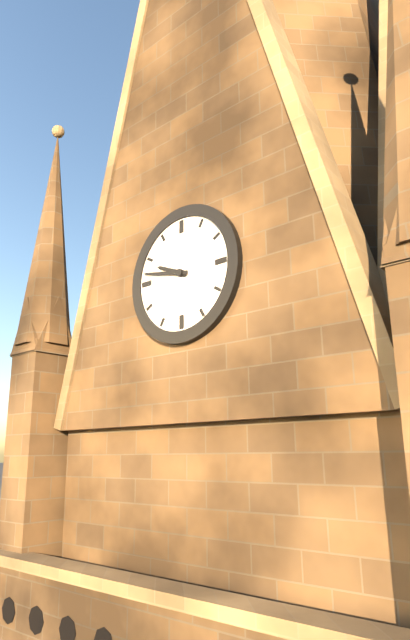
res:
h=9 m=47
